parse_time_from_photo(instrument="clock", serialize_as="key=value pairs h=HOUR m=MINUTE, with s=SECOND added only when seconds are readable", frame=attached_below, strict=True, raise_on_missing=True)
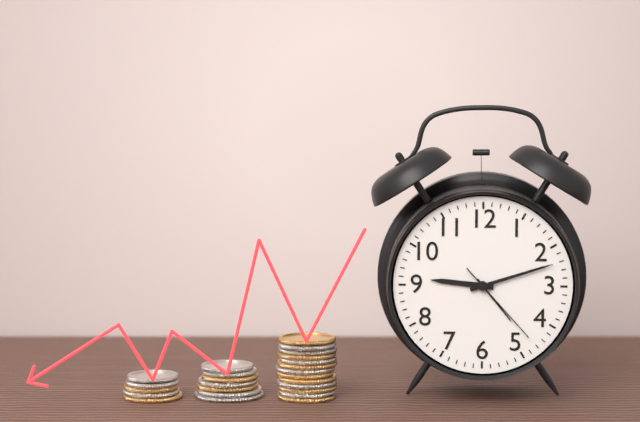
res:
h=9 m=12 s=23
